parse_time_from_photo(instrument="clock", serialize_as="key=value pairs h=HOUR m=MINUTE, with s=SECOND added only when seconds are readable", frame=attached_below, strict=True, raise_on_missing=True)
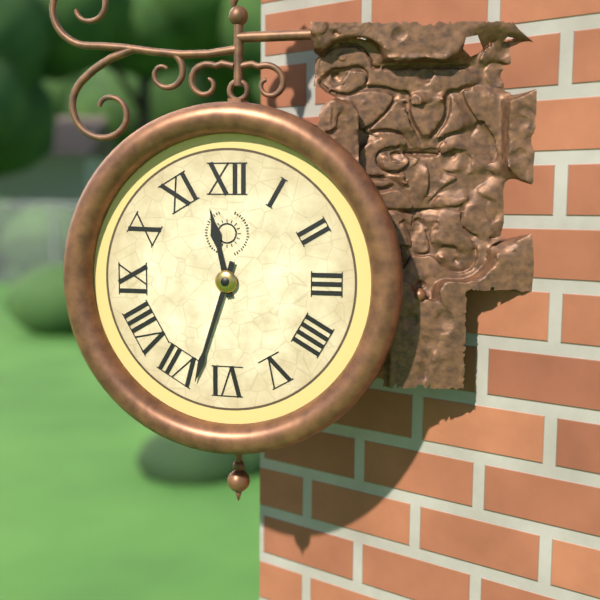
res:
h=11 m=33
